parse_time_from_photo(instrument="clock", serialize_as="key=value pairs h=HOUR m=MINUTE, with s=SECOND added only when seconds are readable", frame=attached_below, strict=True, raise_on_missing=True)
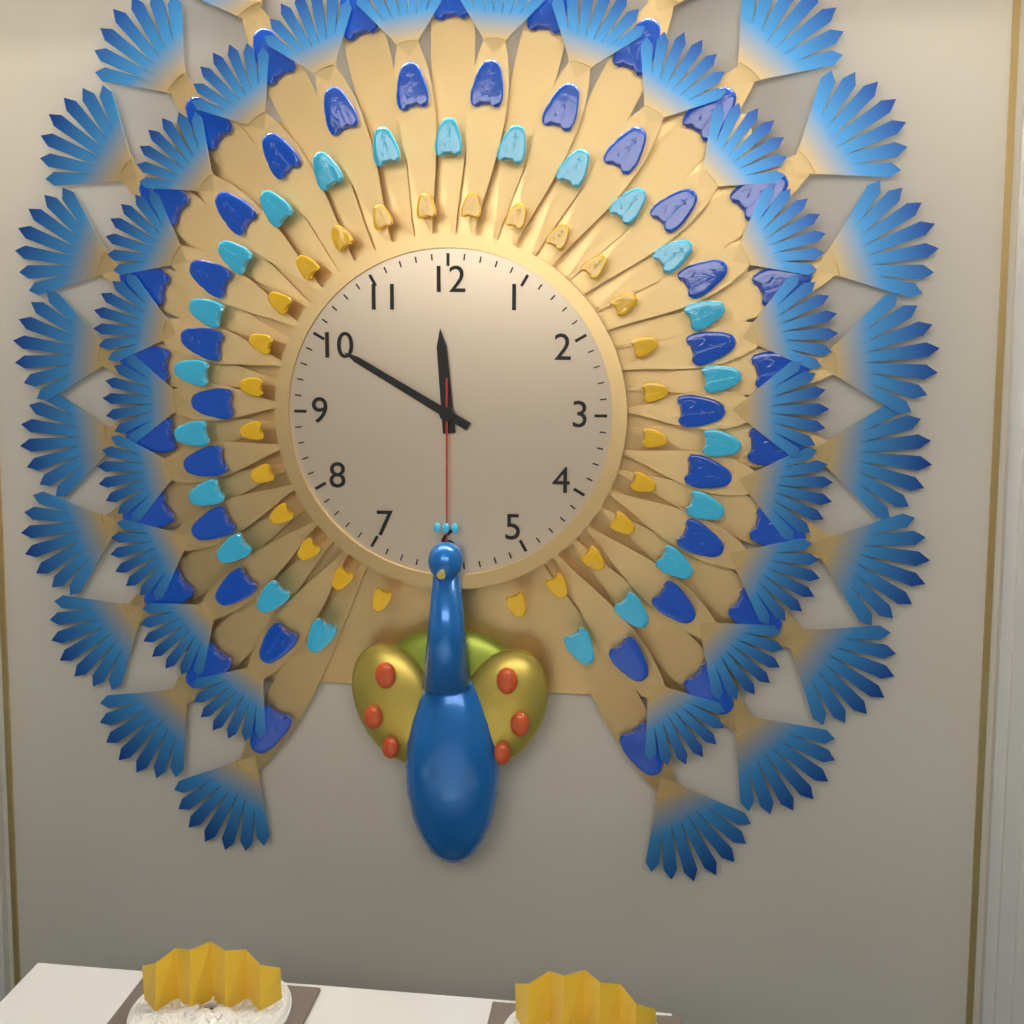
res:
h=11 m=50 s=30
